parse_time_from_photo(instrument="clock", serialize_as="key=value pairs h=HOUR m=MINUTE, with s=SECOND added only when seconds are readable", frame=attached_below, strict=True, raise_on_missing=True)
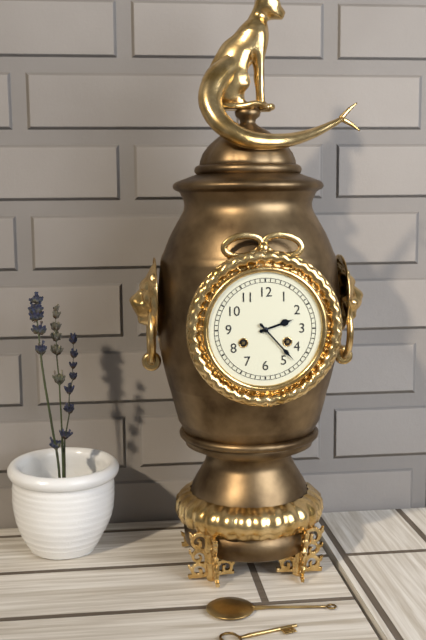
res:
h=2 m=23
